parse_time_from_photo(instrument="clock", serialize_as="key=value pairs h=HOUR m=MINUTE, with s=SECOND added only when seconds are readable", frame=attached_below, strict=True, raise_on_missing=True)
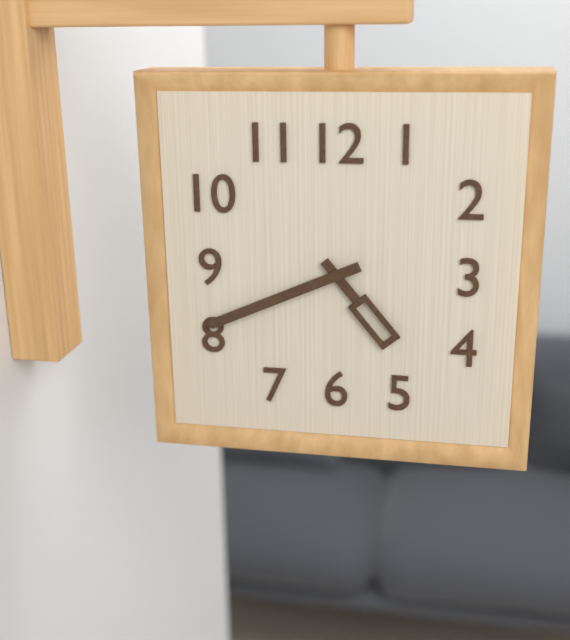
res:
h=4 m=41
